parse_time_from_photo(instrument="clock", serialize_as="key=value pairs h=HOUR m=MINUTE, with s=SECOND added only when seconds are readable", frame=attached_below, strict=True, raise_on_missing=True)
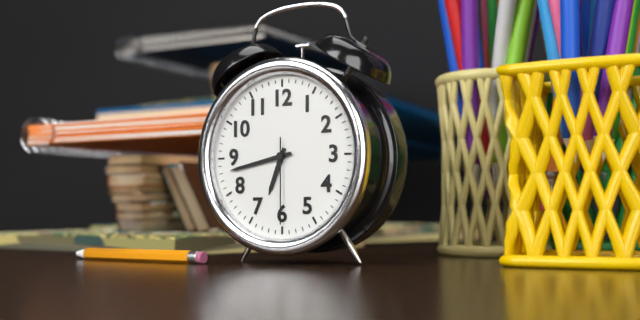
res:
h=6 m=43 s=30
